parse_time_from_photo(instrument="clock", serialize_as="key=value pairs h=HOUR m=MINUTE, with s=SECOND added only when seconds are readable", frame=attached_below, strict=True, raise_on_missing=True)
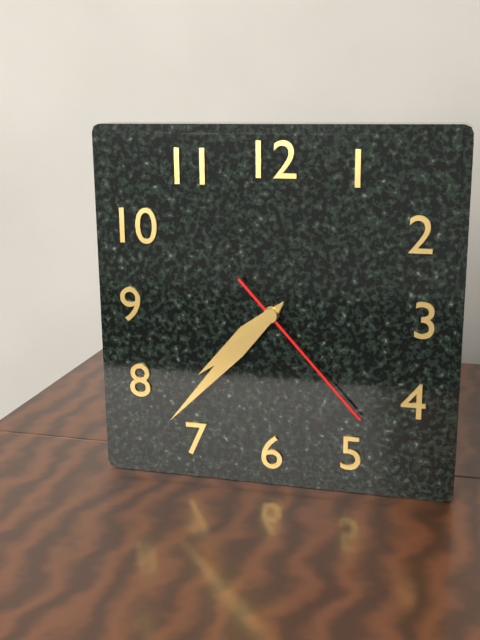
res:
h=7 m=37 s=23
